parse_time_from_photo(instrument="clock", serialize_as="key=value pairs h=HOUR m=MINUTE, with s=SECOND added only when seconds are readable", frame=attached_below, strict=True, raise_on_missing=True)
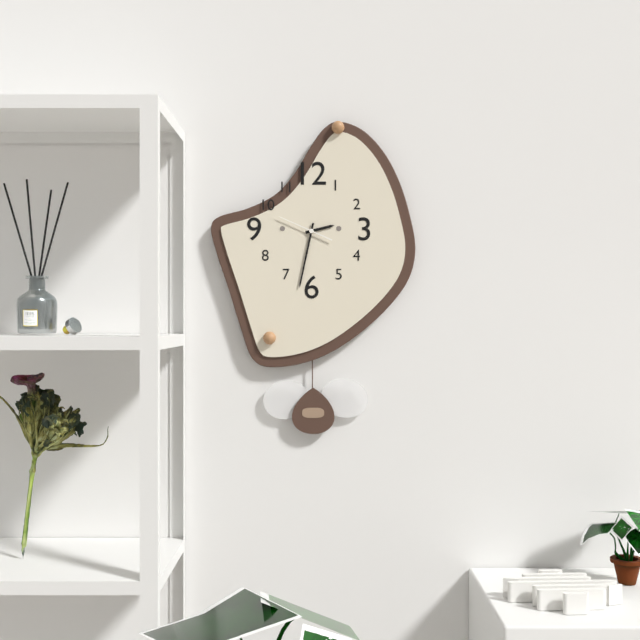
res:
h=2 m=32
